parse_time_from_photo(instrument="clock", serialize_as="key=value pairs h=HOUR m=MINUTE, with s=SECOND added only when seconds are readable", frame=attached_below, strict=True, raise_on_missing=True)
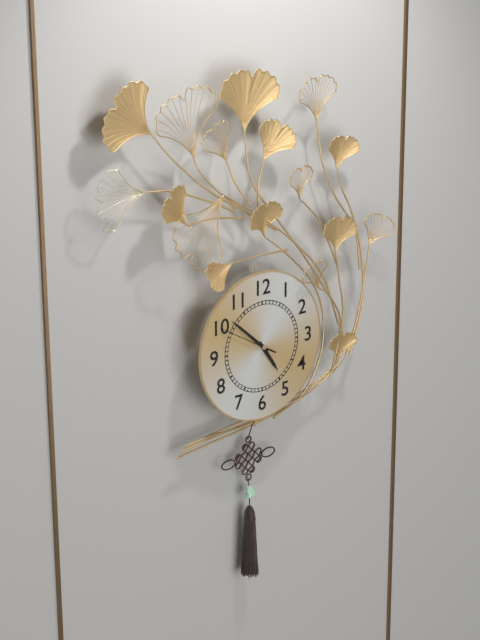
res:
h=4 m=52 s=50
